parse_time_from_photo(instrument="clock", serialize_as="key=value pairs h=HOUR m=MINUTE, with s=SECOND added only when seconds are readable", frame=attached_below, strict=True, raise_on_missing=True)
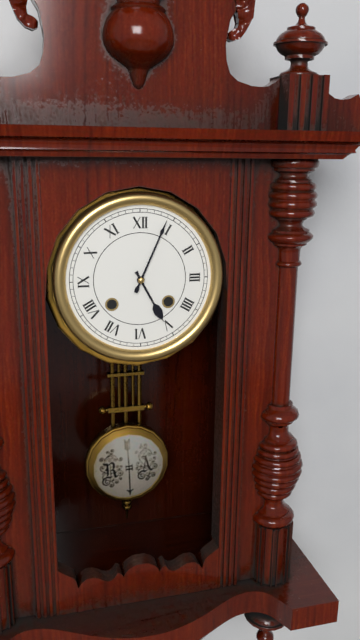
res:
h=5 m=4
